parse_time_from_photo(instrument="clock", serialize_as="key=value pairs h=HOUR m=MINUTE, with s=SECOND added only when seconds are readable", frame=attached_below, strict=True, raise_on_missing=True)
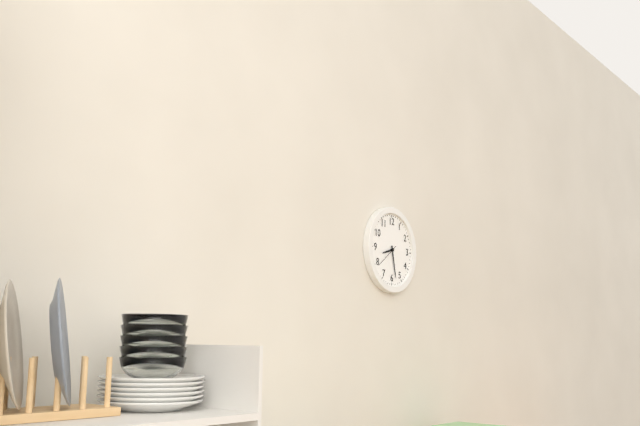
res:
h=8 m=28
